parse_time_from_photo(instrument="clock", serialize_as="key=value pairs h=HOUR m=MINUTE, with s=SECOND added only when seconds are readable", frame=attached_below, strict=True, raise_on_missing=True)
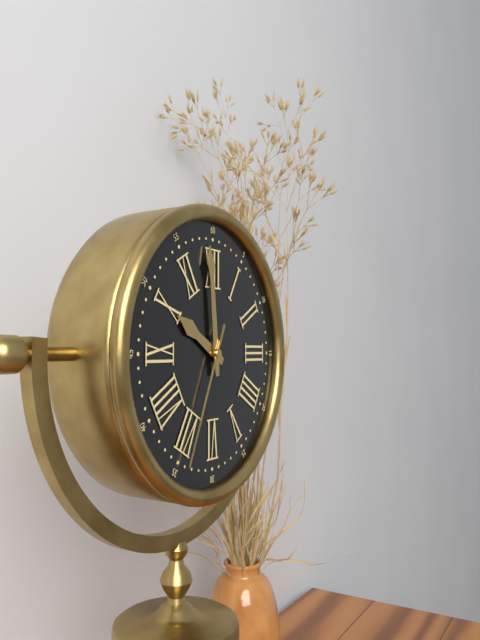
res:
h=9 m=59 s=34
